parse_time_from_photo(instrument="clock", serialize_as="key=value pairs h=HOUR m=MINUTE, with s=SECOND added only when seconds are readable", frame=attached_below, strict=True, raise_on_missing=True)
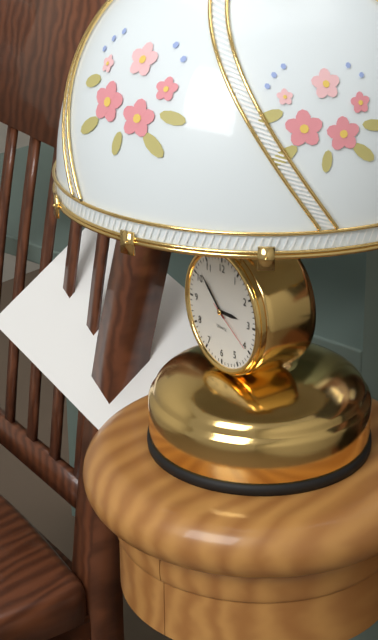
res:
h=2 m=52 s=20
